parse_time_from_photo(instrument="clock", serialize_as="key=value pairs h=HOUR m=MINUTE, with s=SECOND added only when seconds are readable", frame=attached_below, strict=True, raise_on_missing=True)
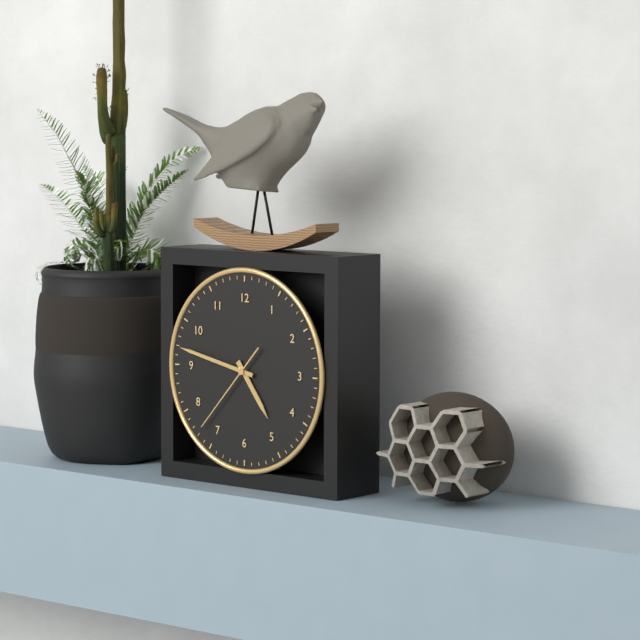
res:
h=4 m=47 s=37
